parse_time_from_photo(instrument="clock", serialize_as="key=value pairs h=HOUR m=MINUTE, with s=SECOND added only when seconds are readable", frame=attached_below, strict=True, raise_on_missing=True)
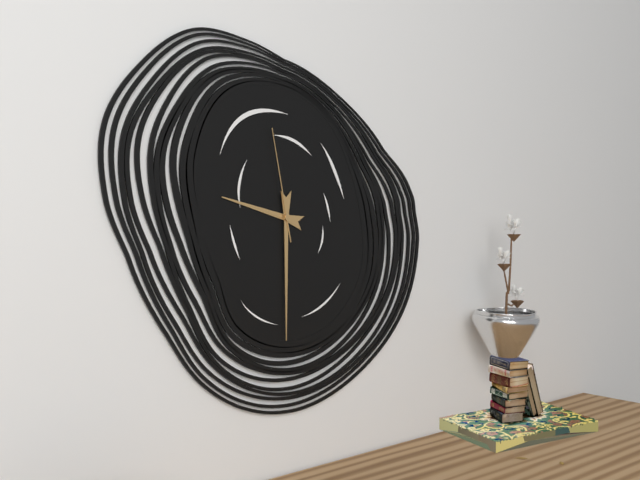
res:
h=9 m=30 s=58
